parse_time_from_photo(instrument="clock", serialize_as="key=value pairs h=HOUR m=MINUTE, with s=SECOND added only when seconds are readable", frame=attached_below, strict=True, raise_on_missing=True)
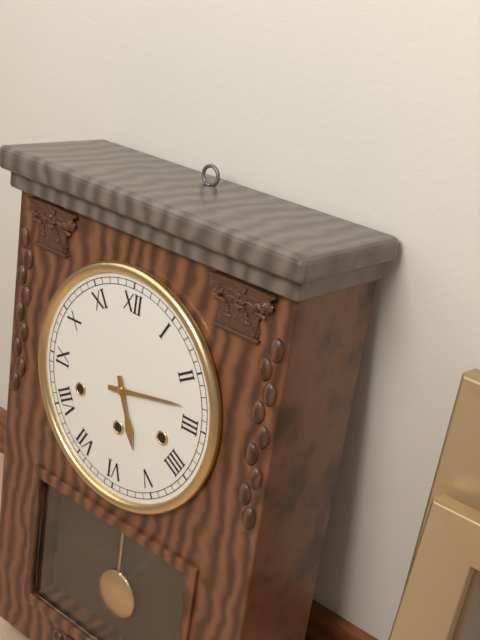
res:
h=5 m=13
